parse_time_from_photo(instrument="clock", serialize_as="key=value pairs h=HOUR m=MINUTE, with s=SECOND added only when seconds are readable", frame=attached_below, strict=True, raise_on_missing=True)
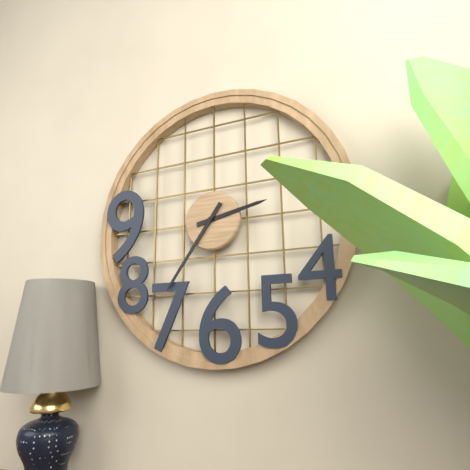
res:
h=2 m=36
